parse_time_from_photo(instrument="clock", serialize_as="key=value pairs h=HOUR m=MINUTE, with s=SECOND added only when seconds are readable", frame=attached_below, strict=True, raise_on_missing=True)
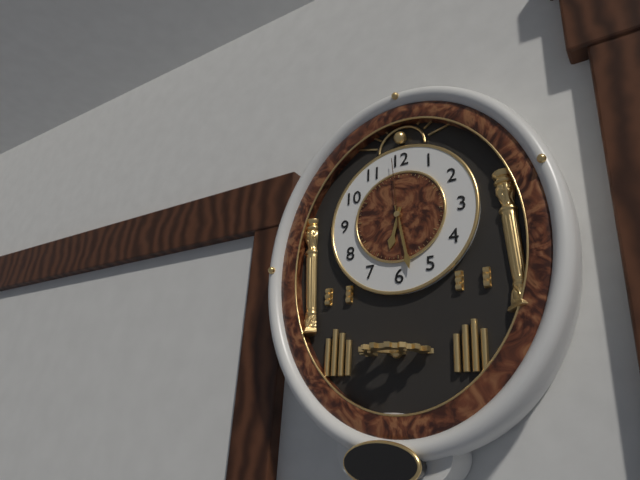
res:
h=6 m=28 s=59
